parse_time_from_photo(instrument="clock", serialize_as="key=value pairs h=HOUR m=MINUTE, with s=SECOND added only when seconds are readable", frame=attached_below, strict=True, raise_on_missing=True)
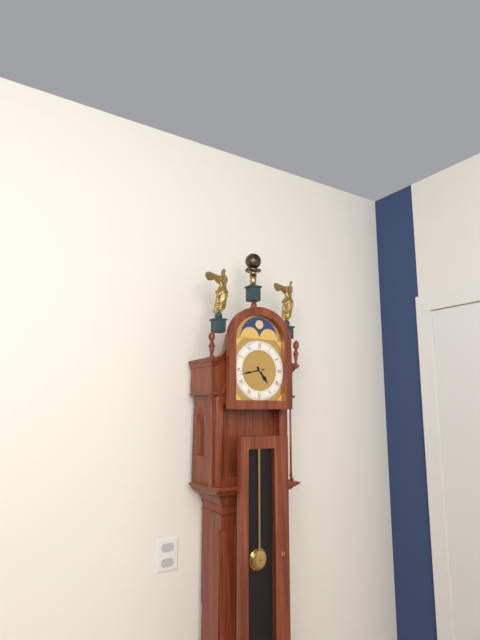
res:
h=4 m=43
